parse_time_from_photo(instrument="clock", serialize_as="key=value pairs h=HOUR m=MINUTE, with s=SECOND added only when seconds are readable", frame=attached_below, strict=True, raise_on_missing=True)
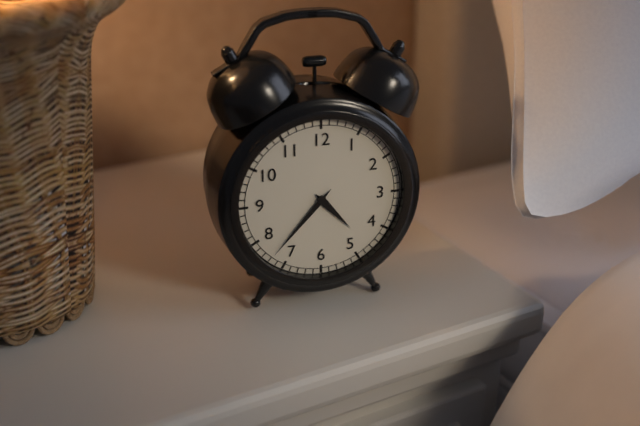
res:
h=4 m=37
